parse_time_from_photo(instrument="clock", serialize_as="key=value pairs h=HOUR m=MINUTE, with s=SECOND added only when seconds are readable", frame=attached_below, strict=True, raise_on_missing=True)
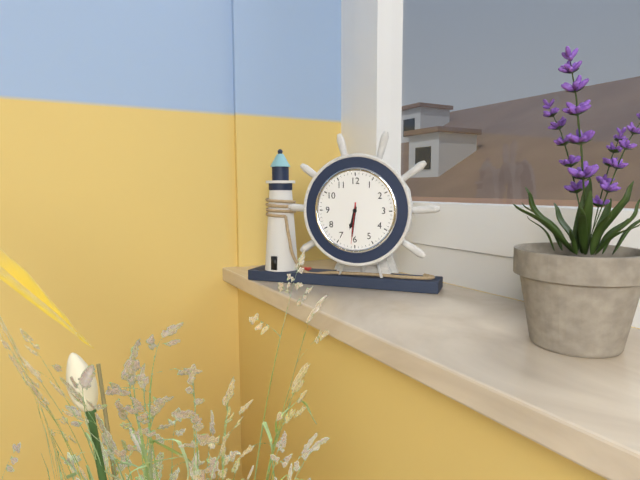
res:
h=6 m=31
